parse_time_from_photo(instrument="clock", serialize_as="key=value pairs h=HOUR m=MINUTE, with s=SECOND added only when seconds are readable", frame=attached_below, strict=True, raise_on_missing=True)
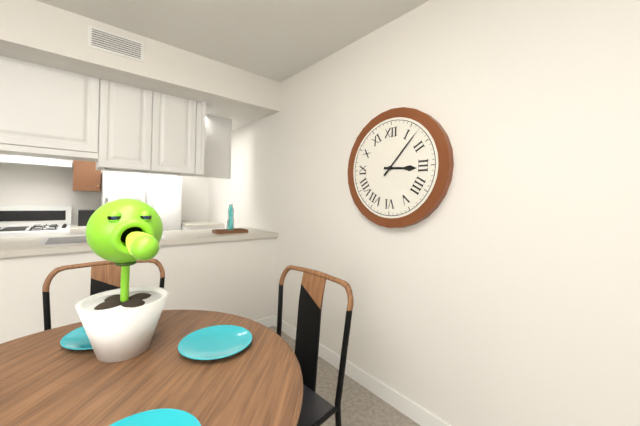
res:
h=3 m=7
